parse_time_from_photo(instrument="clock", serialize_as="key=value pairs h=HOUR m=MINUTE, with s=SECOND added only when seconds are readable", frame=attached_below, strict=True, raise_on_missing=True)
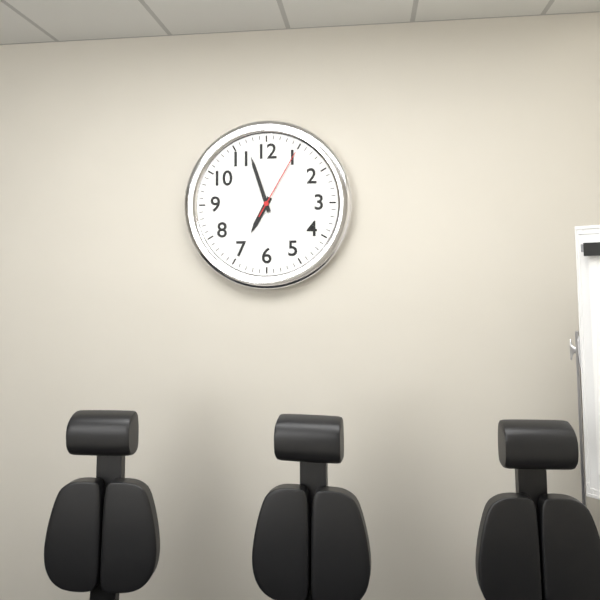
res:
h=6 m=57 s=5
